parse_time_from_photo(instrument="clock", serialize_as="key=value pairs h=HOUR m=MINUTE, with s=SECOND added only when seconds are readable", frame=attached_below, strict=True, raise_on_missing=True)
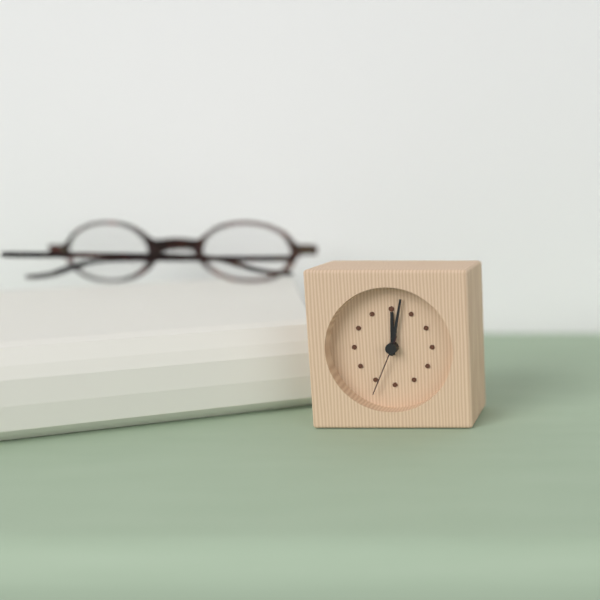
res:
h=12 m=2 s=34
